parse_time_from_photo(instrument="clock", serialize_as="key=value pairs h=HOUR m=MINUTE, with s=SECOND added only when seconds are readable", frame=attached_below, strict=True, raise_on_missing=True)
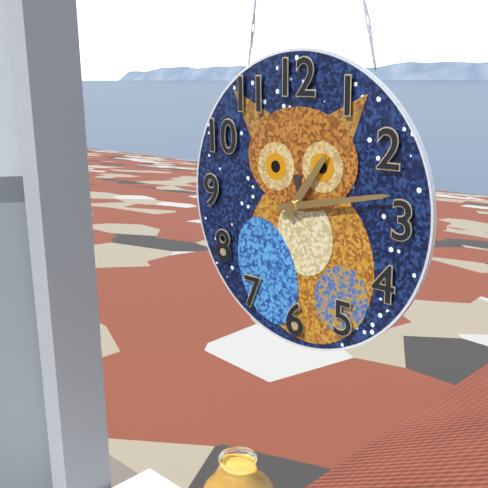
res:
h=1 m=13
